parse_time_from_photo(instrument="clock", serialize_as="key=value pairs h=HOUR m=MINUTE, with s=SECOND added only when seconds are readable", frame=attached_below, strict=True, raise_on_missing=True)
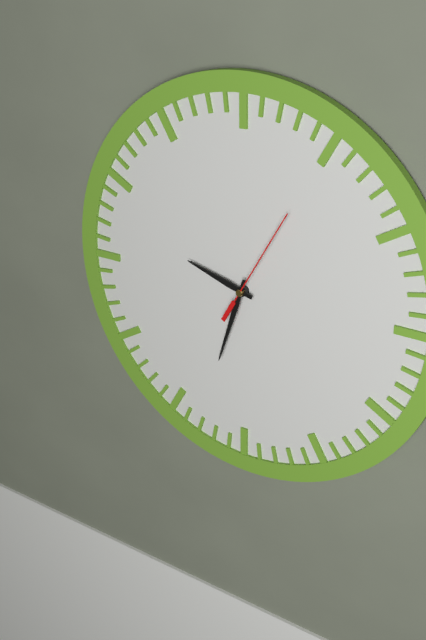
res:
h=9 m=33 s=5
